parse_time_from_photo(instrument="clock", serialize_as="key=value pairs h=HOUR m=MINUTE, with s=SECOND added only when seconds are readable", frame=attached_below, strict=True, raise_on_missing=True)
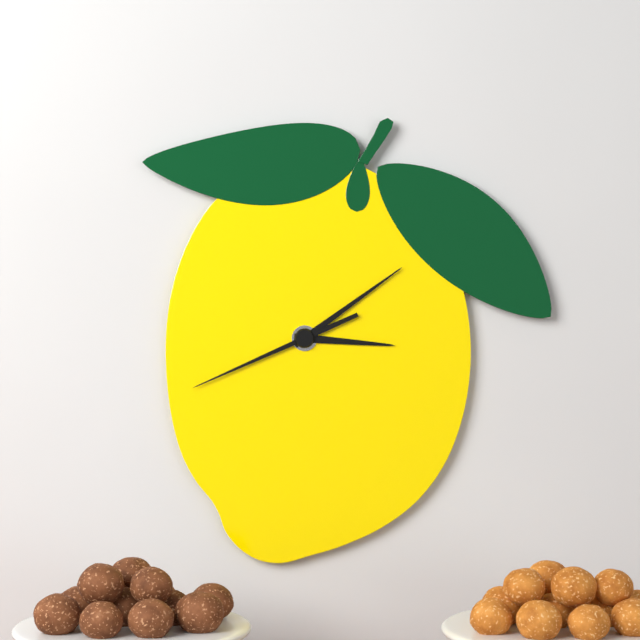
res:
h=3 m=9 s=41
